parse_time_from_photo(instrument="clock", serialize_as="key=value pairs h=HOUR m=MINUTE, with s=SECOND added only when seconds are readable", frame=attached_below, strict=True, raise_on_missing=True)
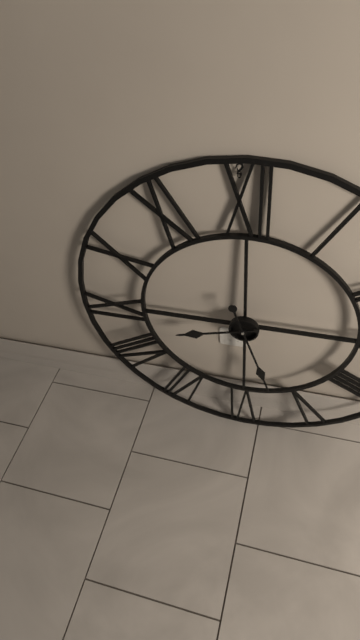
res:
h=8 m=27
